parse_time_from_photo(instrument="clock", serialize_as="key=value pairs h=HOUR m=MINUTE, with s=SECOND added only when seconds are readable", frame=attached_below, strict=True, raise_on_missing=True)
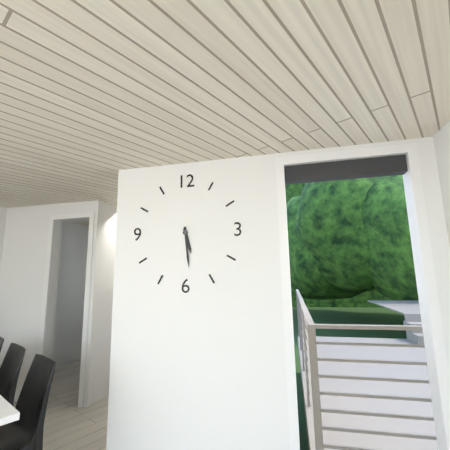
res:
h=5 m=29
